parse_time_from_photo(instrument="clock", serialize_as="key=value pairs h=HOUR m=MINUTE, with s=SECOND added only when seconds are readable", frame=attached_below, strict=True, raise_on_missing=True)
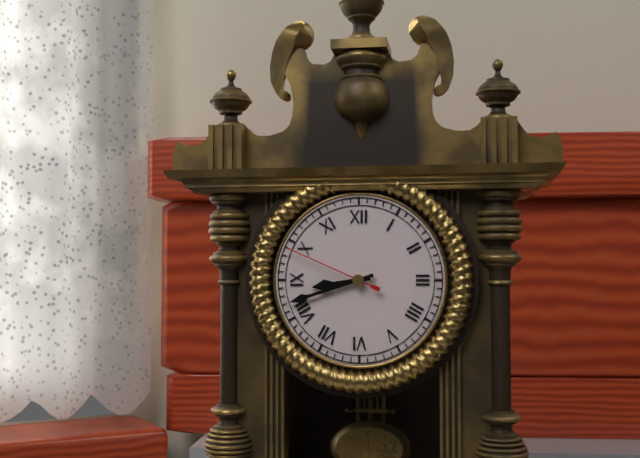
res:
h=8 m=42 s=49
